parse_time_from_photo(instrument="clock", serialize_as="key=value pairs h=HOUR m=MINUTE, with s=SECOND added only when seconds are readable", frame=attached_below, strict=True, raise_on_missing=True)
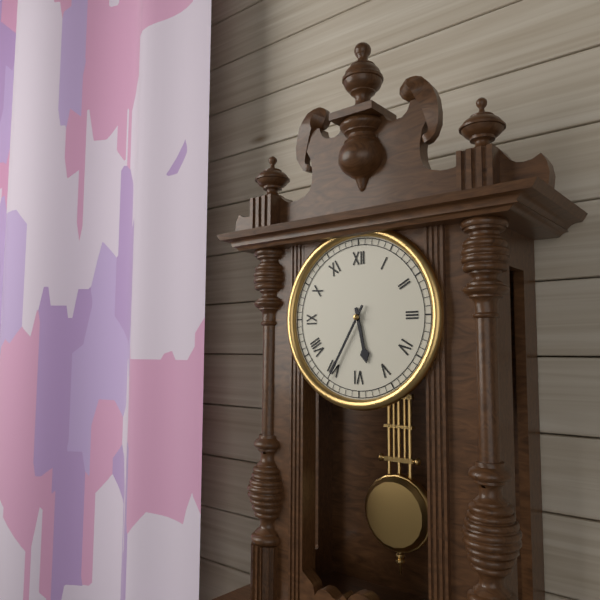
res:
h=5 m=35
